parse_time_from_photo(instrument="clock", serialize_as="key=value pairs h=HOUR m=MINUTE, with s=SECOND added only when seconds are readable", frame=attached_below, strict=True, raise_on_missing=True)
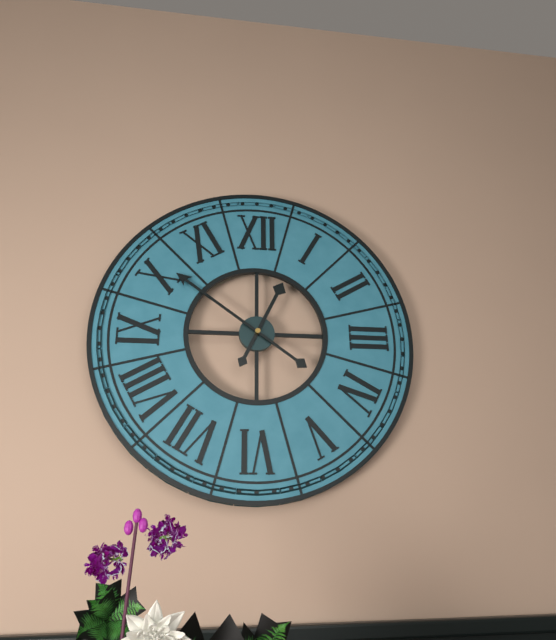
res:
h=12 m=51
